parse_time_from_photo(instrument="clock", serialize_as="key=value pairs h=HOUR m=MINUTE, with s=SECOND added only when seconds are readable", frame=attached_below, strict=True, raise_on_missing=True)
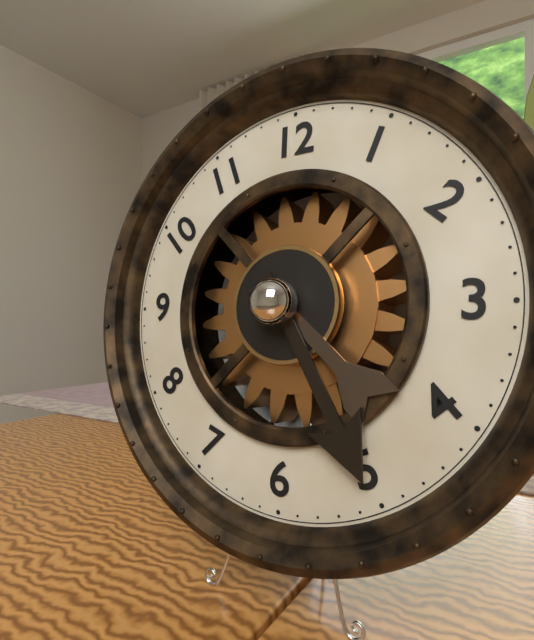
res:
h=4 m=25
